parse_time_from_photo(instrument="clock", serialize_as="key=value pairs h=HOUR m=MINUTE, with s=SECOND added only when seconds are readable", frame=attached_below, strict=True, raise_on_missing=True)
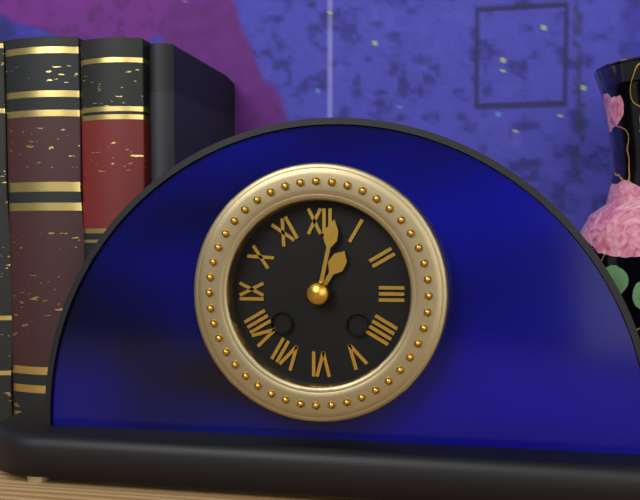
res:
h=1 m=2
